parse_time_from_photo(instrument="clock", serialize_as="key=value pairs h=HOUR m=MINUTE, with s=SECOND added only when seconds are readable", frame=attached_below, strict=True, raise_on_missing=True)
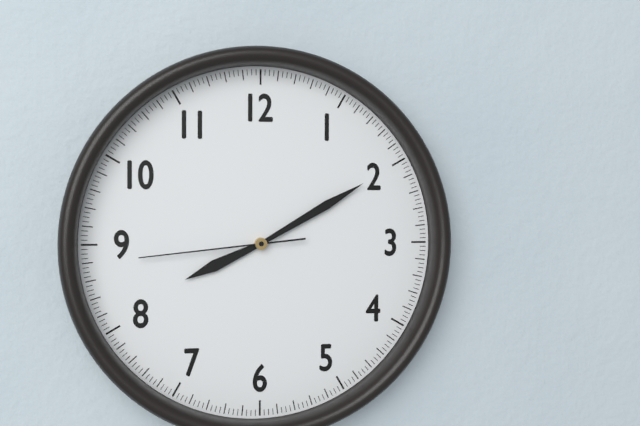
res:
h=8 m=10 s=44
